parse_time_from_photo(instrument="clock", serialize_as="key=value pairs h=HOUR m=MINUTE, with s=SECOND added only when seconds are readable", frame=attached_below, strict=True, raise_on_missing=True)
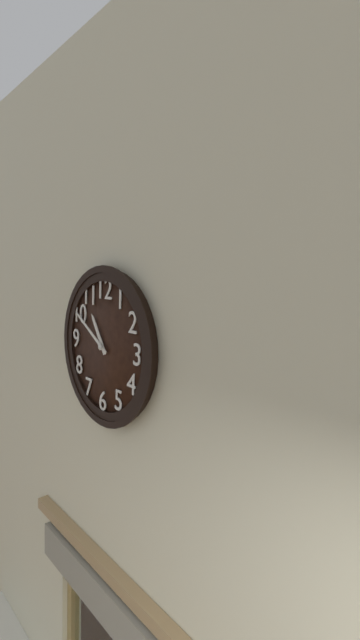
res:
h=10 m=50
